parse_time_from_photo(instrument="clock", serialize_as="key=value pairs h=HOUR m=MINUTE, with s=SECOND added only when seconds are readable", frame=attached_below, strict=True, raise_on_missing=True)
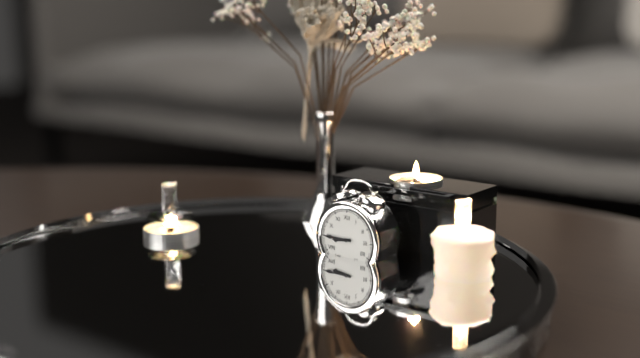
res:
h=8 m=45
